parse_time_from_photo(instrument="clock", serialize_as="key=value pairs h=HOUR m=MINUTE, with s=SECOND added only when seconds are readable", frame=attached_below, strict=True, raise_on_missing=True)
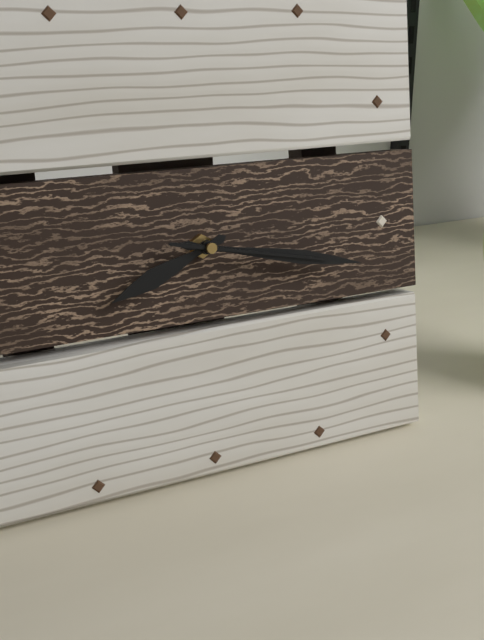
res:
h=8 m=17 s=17
